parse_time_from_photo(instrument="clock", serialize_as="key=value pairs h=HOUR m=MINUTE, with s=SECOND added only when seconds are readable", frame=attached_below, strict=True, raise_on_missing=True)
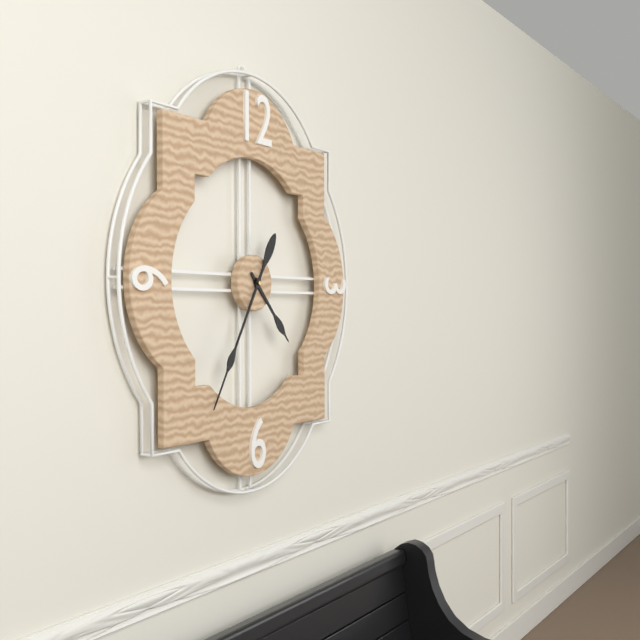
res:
h=4 m=35
